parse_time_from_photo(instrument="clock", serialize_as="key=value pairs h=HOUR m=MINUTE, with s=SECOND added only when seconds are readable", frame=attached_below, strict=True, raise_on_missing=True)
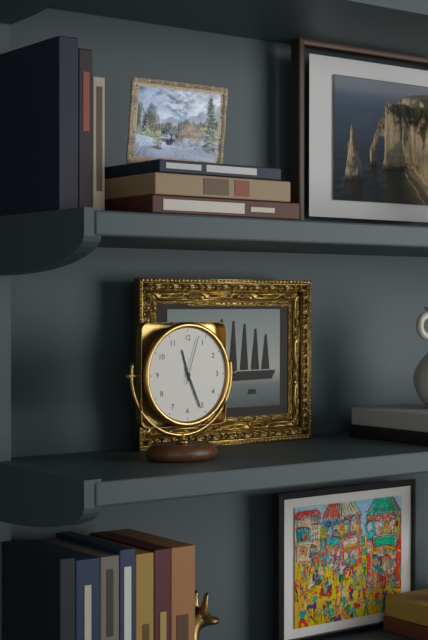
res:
h=11 m=26 s=3
